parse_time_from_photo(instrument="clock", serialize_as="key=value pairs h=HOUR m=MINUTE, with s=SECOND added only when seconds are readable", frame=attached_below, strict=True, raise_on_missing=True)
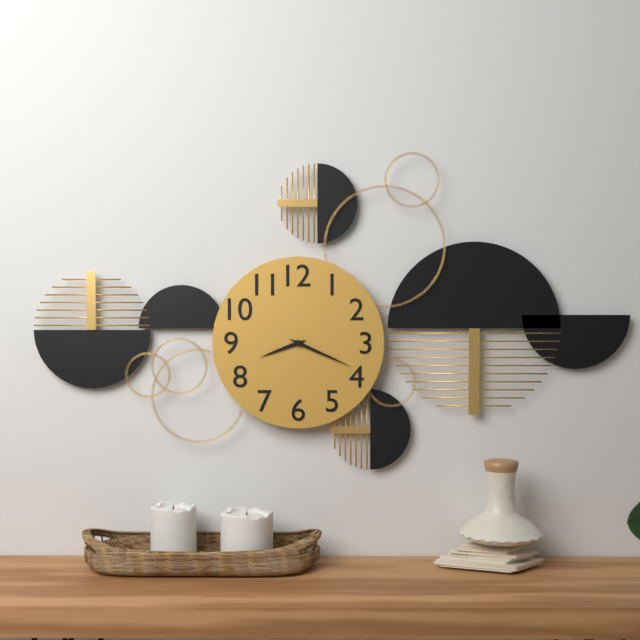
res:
h=8 m=19
